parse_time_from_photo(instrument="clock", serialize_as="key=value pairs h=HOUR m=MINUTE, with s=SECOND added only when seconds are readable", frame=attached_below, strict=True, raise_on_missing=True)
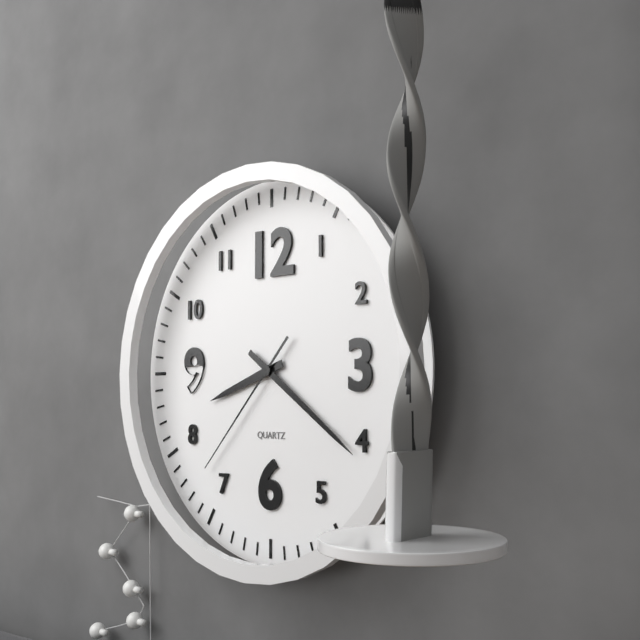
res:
h=8 m=21 s=37
